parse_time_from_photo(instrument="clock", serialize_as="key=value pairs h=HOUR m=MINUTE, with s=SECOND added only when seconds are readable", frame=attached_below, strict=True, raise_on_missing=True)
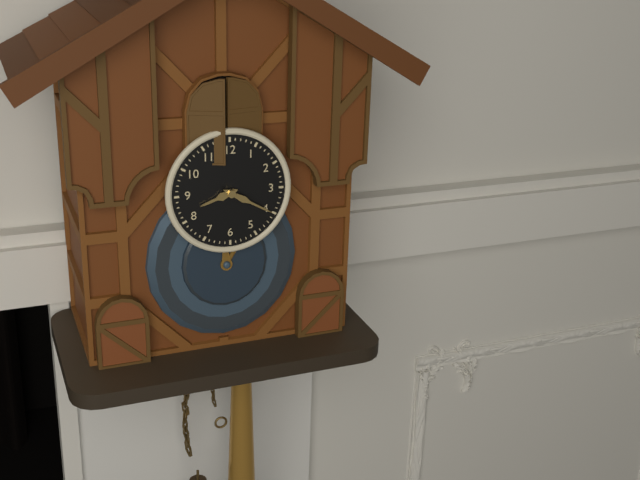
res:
h=8 m=20
